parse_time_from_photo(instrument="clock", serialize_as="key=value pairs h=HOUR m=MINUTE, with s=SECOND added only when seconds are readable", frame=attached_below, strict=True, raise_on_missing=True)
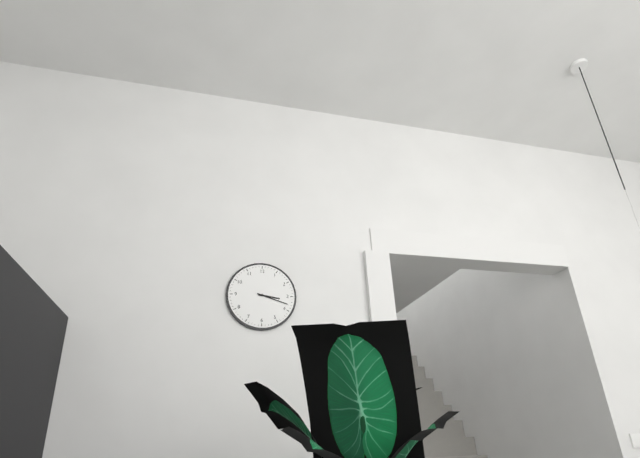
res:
h=3 m=18
